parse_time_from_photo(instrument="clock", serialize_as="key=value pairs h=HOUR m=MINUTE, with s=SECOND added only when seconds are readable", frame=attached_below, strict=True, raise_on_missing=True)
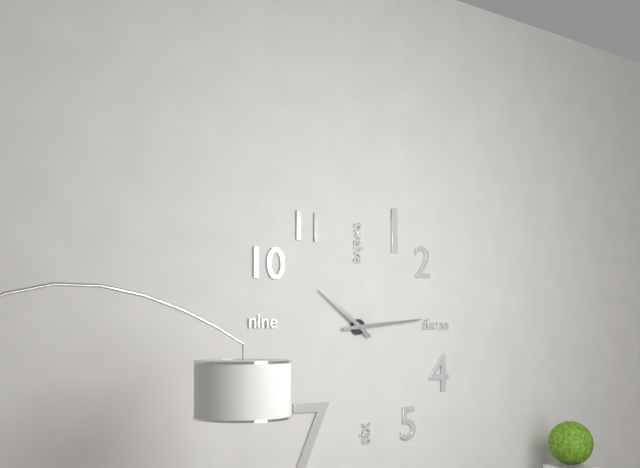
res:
h=10 m=14
